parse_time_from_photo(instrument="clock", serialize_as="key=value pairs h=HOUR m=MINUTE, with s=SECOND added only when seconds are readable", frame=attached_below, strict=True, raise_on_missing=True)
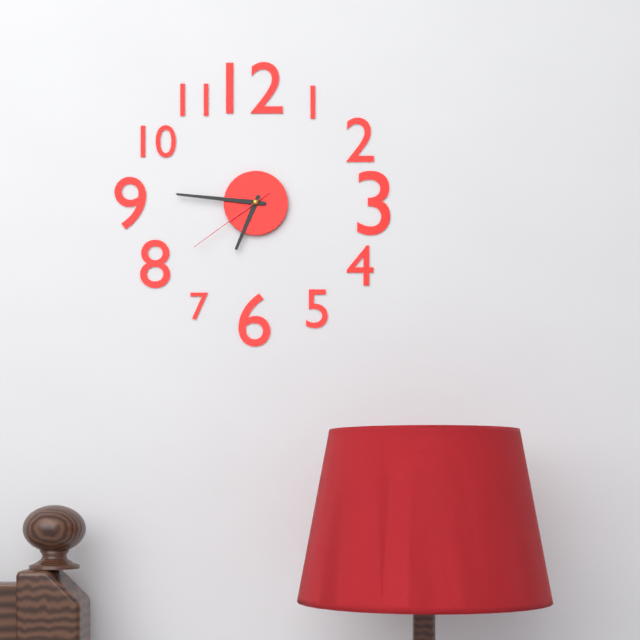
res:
h=6 m=46 s=39
